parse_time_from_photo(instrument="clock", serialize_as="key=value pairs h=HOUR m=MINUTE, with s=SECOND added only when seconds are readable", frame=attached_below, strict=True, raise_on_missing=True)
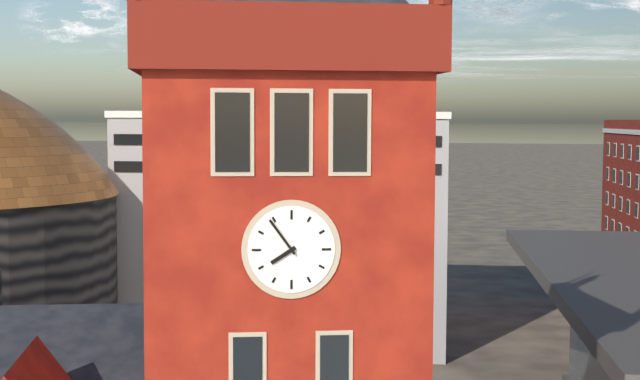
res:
h=7 m=54
